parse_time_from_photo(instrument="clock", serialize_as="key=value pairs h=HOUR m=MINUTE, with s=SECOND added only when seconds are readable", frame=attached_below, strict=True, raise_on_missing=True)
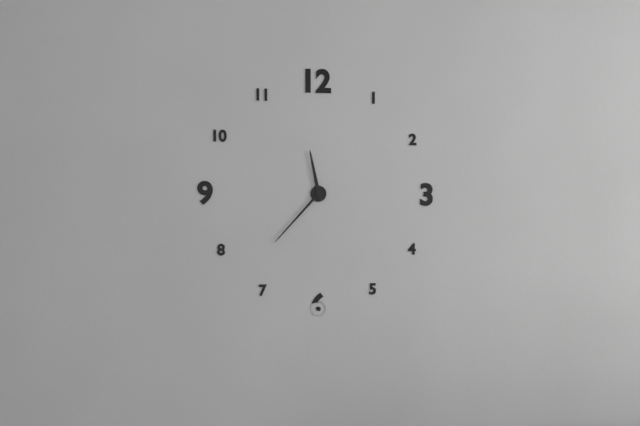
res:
h=11 m=37
